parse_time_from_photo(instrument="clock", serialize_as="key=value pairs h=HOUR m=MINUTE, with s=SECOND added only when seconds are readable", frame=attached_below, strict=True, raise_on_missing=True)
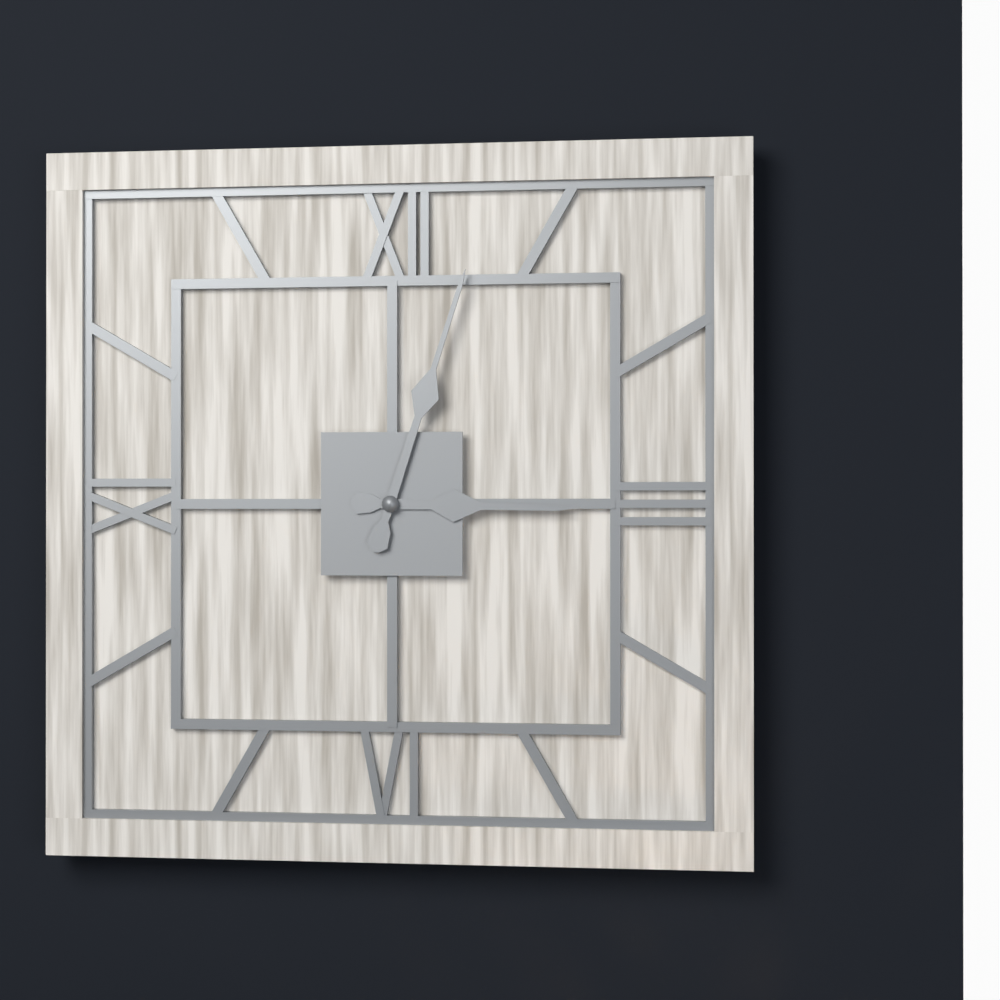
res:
h=3 m=3
